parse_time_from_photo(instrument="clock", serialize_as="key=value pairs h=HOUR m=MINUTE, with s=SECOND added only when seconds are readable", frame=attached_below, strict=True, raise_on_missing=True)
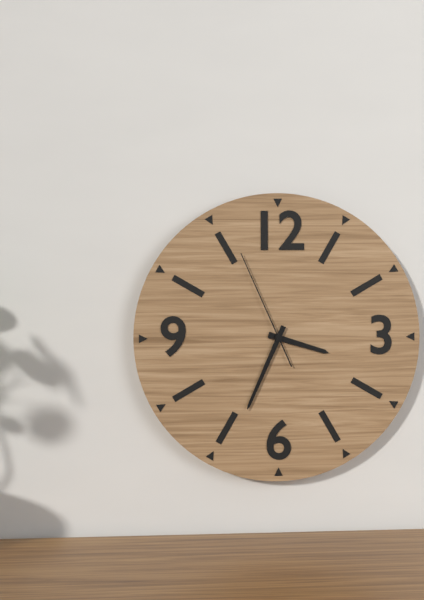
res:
h=3 m=34 s=56
